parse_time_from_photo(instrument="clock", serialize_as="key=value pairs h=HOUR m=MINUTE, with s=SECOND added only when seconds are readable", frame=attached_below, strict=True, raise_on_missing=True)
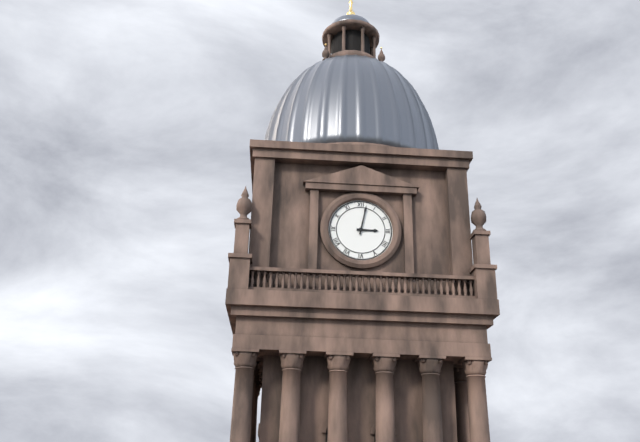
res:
h=3 m=2
